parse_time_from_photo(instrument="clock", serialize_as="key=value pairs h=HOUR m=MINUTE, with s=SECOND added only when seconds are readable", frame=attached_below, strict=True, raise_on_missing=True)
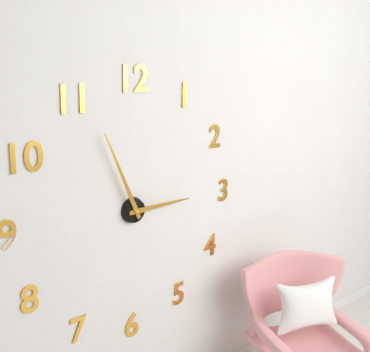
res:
h=2 m=56
